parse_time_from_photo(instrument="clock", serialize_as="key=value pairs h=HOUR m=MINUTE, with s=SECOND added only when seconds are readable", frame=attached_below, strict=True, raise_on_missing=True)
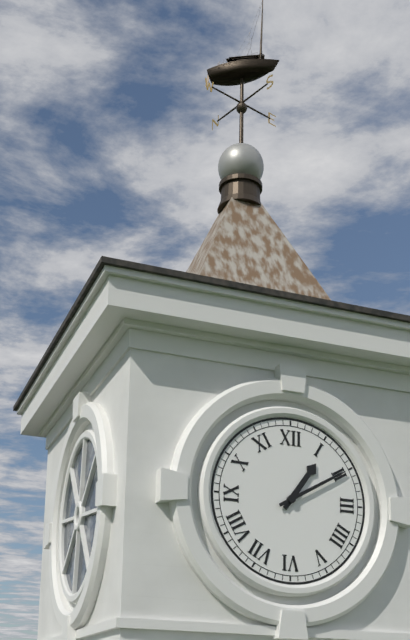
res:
h=1 m=10
